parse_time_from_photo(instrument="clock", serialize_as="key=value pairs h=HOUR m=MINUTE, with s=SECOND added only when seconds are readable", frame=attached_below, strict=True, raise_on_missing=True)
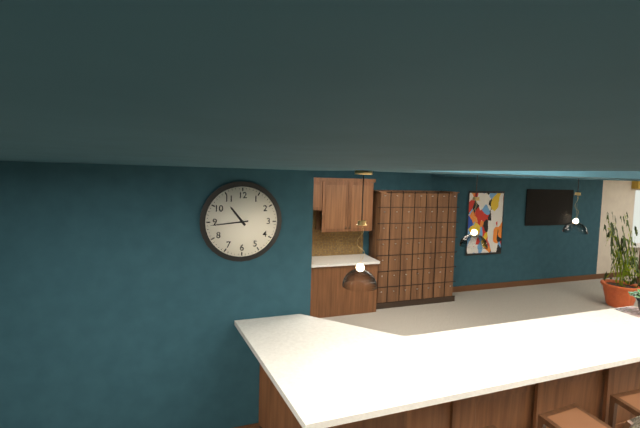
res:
h=10 m=44
